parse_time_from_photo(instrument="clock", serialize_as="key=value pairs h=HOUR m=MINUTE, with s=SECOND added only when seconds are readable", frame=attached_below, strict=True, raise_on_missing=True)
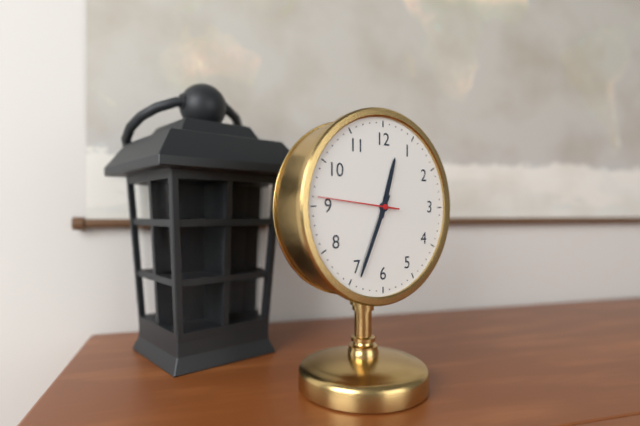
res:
h=12 m=34 s=46
